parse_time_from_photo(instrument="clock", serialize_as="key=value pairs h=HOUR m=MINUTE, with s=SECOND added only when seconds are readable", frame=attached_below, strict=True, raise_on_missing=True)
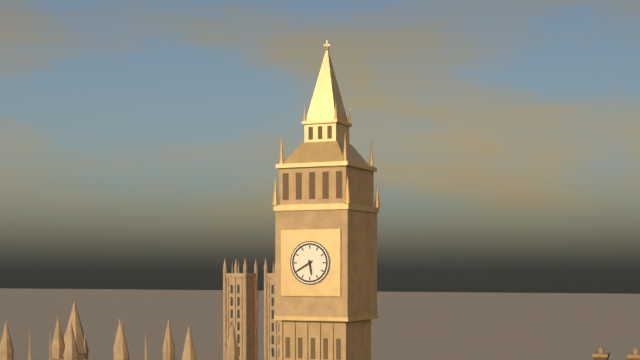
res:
h=5 m=40
